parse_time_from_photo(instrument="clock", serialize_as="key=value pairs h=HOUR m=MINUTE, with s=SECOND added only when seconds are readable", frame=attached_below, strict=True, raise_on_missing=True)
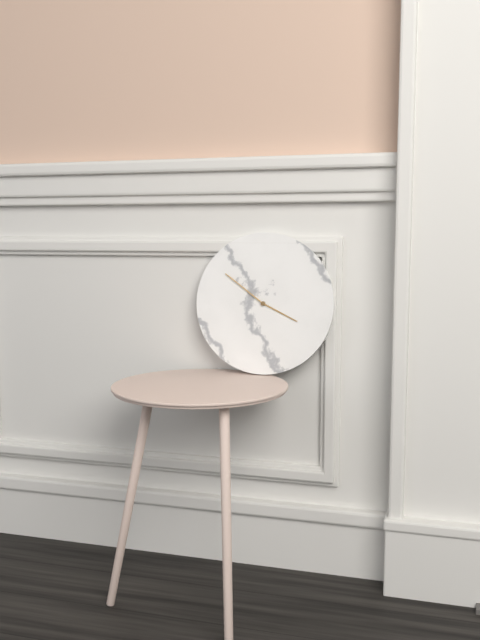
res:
h=3 m=51
